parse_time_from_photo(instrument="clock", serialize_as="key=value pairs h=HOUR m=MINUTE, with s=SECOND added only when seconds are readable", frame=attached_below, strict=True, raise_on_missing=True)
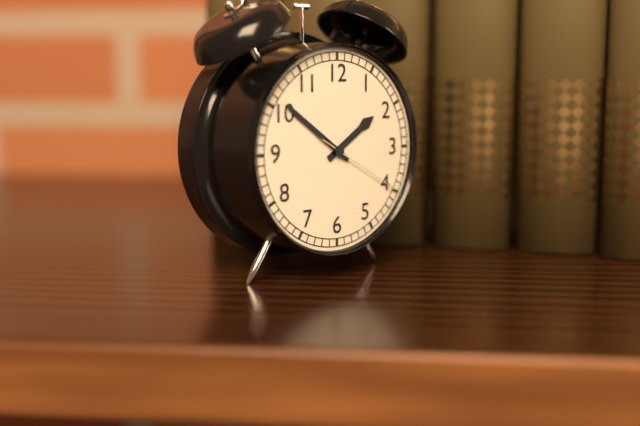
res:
h=1 m=51 s=20
